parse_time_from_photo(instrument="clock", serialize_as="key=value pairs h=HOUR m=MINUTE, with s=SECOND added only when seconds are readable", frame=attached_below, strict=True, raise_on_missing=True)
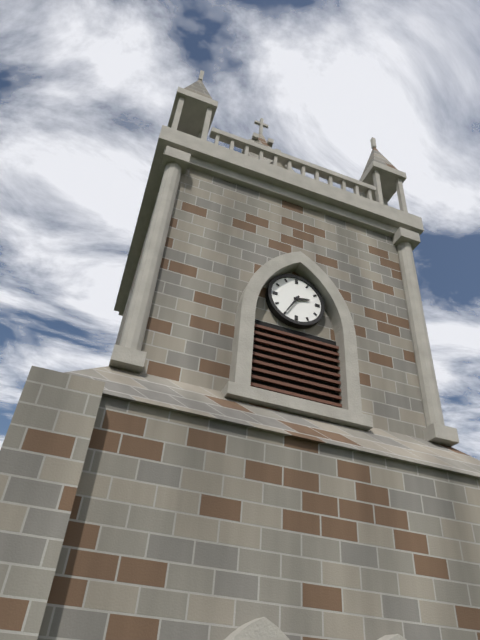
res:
h=2 m=35
